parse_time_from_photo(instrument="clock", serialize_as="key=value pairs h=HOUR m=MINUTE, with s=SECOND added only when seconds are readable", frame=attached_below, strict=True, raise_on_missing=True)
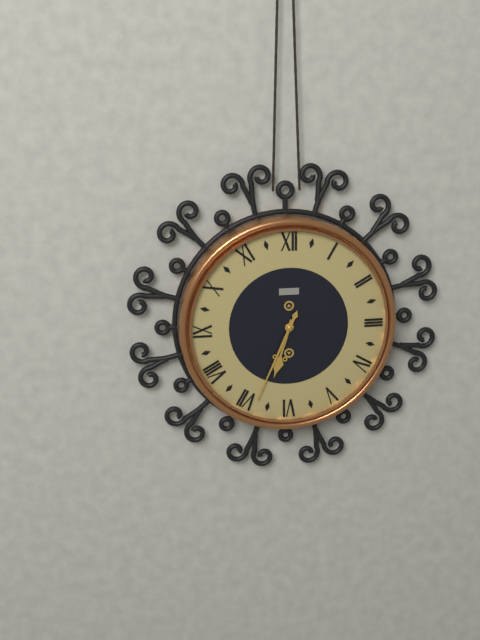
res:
h=6 m=34
